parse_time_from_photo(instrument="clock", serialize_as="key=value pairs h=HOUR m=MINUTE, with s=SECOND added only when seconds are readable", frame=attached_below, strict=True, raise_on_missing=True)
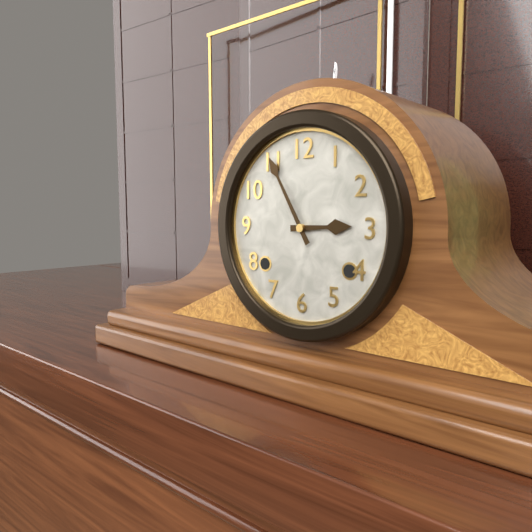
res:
h=2 m=55
